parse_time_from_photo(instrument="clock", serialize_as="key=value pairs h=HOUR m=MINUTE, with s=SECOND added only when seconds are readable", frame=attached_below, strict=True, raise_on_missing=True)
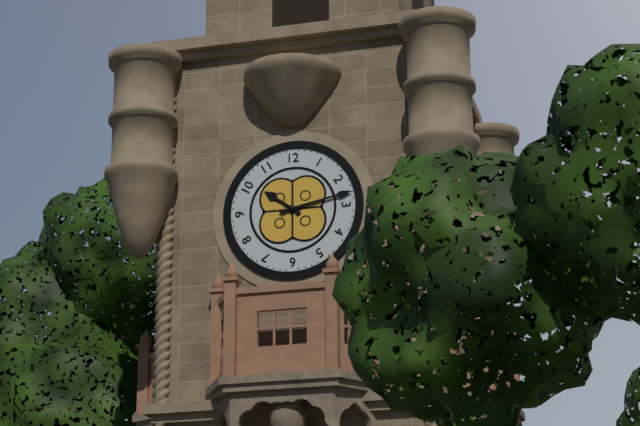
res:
h=10 m=13
